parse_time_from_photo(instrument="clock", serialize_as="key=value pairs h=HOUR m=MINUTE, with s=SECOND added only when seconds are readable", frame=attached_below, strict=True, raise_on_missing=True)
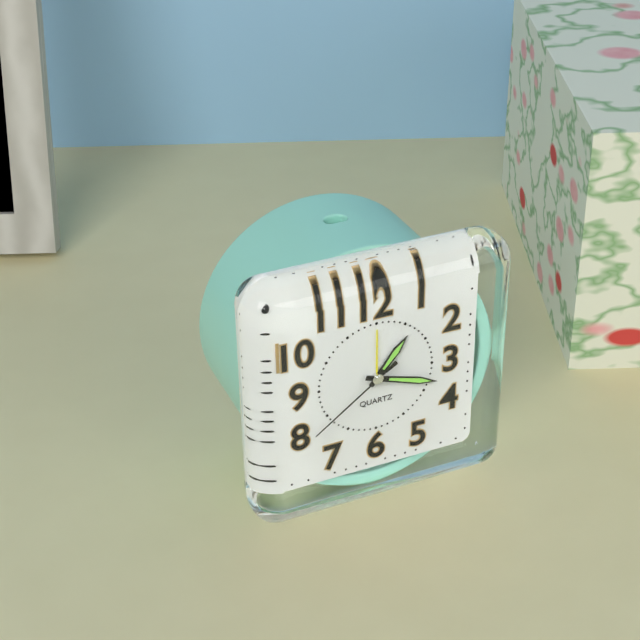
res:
h=1 m=18 s=39
